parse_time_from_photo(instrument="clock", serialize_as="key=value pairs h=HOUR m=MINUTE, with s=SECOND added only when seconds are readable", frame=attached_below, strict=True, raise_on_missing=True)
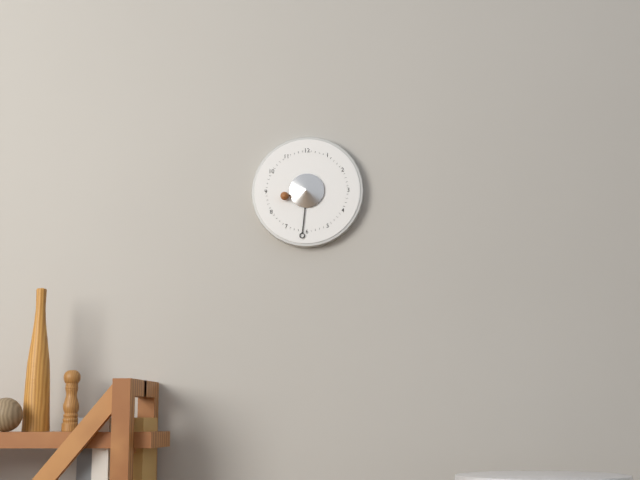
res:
h=8 m=31
